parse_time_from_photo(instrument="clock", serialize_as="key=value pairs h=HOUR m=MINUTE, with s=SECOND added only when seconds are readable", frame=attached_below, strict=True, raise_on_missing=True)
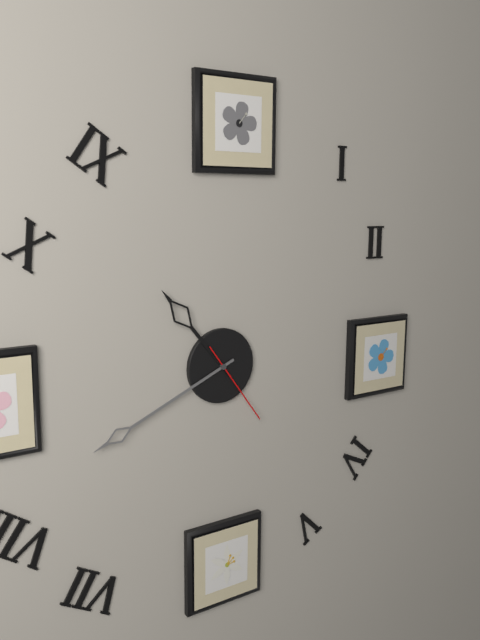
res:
h=10 m=41 s=24
